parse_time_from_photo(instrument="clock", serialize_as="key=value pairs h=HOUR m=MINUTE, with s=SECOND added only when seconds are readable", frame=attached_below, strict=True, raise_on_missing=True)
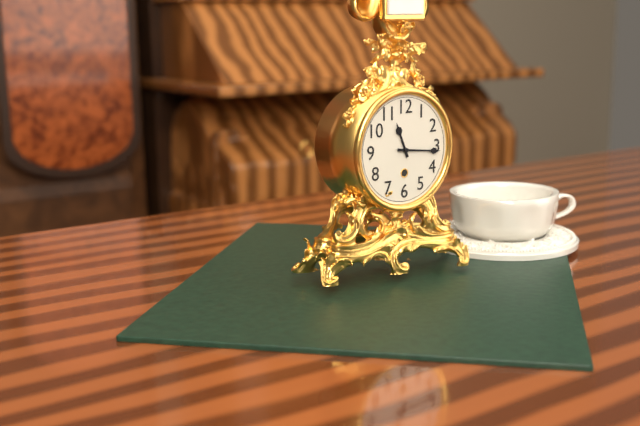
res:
h=11 m=16
